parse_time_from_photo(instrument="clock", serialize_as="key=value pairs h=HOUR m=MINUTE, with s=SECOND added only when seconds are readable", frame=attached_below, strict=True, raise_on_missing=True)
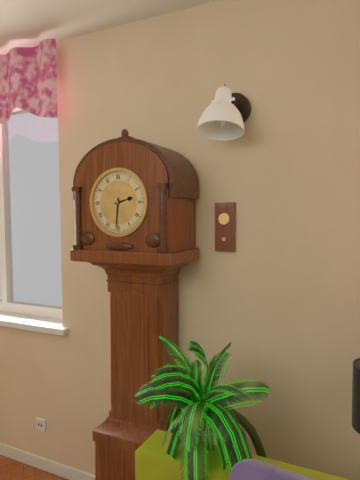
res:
h=2 m=31
